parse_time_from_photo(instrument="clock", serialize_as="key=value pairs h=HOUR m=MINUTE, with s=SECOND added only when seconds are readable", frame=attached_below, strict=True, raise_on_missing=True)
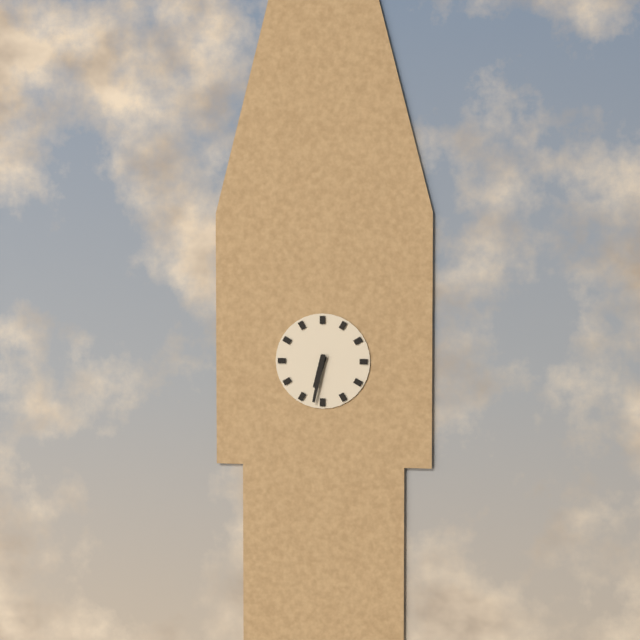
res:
h=6 m=32
